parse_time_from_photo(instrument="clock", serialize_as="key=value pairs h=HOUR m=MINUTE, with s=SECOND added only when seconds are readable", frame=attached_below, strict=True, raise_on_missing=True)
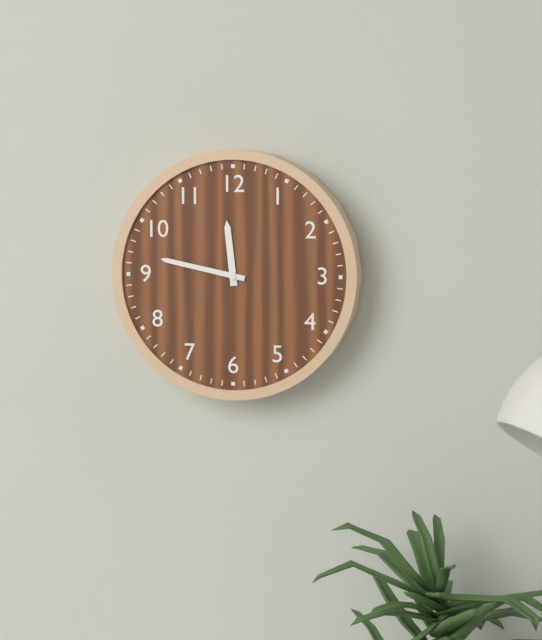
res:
h=11 m=47
